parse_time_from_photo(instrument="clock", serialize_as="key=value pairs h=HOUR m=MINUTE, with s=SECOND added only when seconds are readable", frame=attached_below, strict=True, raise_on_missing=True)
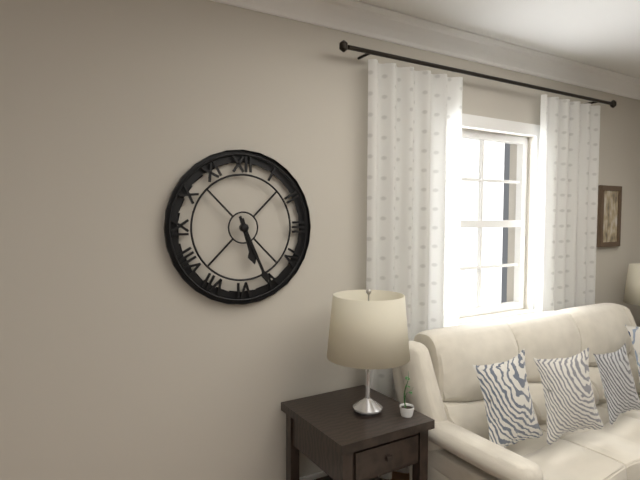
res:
h=5 m=26
